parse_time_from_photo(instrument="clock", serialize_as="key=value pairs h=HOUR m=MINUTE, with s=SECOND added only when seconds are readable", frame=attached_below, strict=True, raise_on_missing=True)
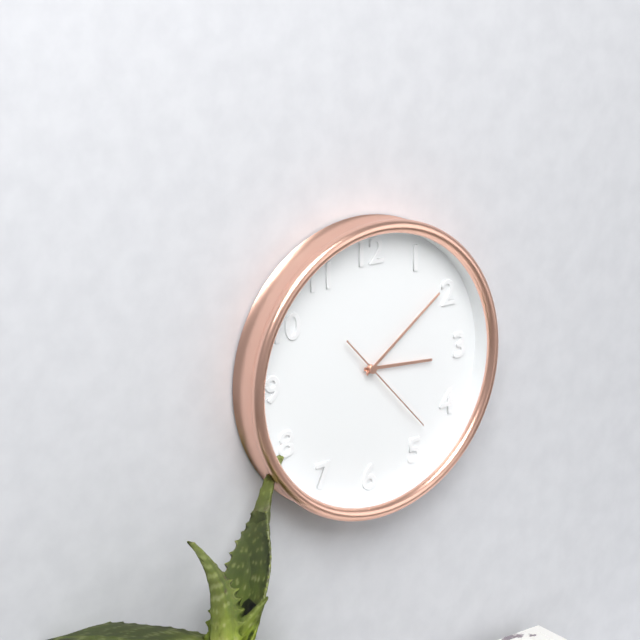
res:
h=3 m=9 s=23
